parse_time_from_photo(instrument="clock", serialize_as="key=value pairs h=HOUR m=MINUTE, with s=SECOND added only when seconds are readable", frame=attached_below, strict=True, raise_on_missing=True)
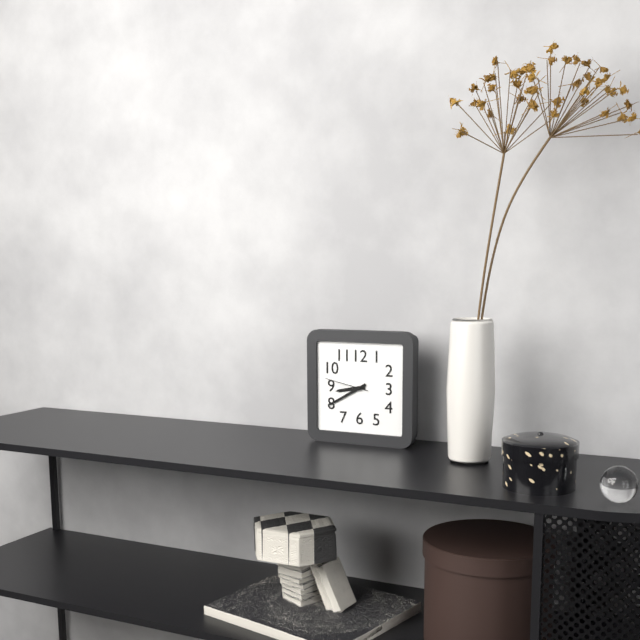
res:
h=8 m=40
